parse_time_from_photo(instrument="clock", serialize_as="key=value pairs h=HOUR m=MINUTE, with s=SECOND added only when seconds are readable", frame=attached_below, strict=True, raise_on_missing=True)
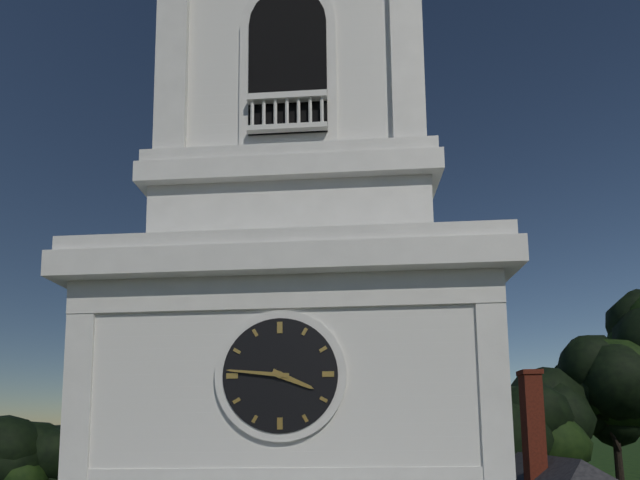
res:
h=3 m=46
